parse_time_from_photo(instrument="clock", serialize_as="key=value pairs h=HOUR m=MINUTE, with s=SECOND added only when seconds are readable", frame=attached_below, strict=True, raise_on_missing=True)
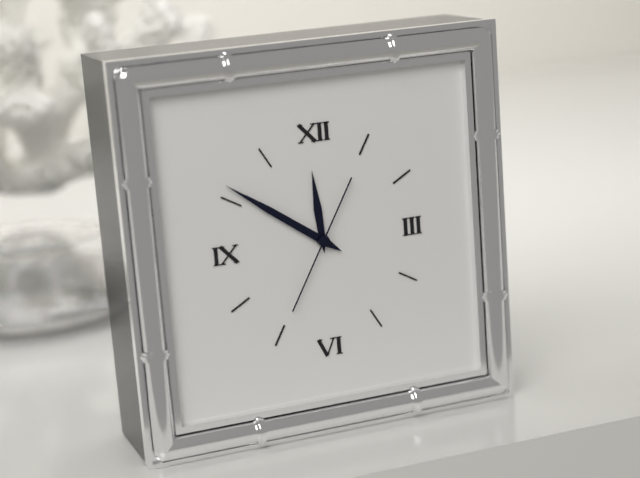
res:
h=11 m=51 s=35
